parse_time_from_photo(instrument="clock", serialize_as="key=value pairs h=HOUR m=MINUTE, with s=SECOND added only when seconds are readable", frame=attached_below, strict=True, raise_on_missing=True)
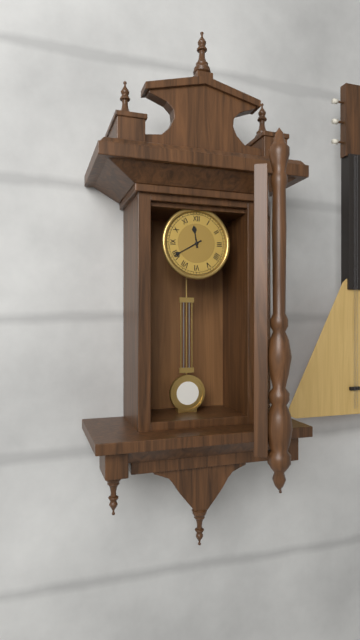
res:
h=11 m=40
